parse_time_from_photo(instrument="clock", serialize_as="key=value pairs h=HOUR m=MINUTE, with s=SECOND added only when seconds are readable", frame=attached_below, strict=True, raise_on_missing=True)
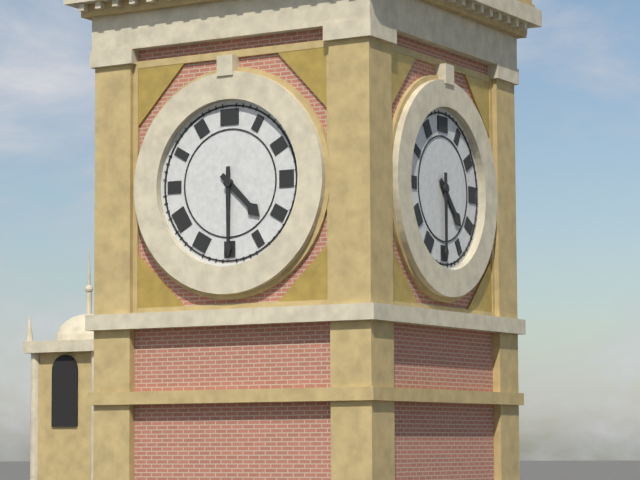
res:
h=4 m=30
